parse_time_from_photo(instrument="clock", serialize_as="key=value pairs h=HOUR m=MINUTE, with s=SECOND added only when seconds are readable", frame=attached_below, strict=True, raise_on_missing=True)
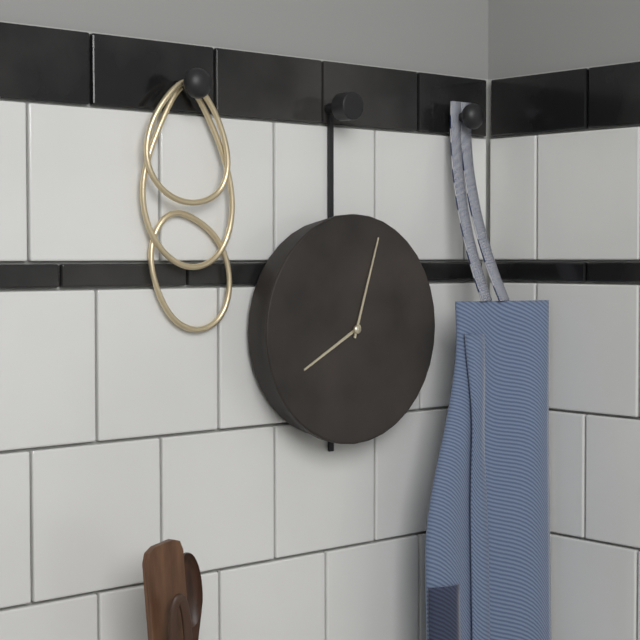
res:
h=8 m=3
